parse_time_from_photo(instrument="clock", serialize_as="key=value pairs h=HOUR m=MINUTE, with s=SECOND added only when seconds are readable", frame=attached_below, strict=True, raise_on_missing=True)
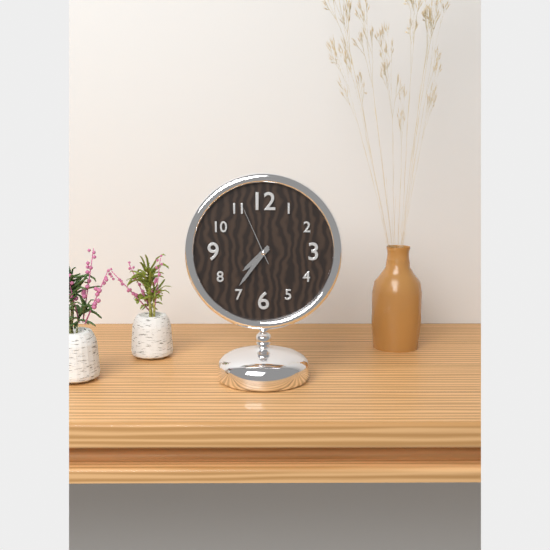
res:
h=7 m=36 s=56
